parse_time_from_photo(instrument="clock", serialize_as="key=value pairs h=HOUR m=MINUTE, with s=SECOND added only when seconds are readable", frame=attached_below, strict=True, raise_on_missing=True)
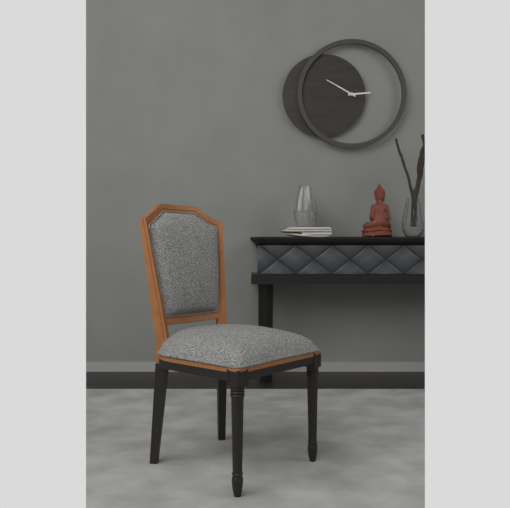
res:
h=2 m=50
